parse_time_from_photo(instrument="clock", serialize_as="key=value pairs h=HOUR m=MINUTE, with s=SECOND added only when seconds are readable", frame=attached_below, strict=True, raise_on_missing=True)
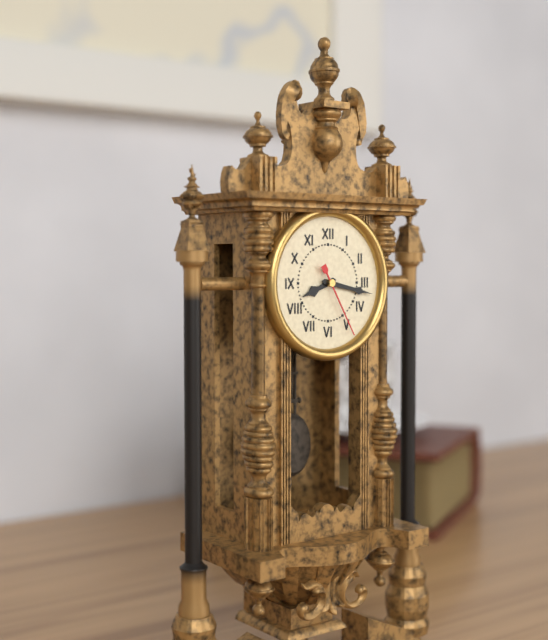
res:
h=8 m=17 s=25
